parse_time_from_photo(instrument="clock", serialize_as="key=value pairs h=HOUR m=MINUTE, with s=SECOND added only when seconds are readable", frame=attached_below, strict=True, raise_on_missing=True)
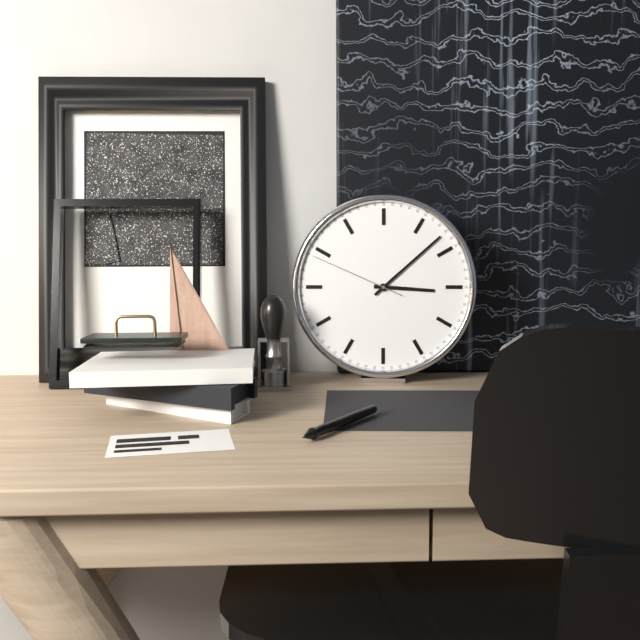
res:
h=3 m=8 s=49
